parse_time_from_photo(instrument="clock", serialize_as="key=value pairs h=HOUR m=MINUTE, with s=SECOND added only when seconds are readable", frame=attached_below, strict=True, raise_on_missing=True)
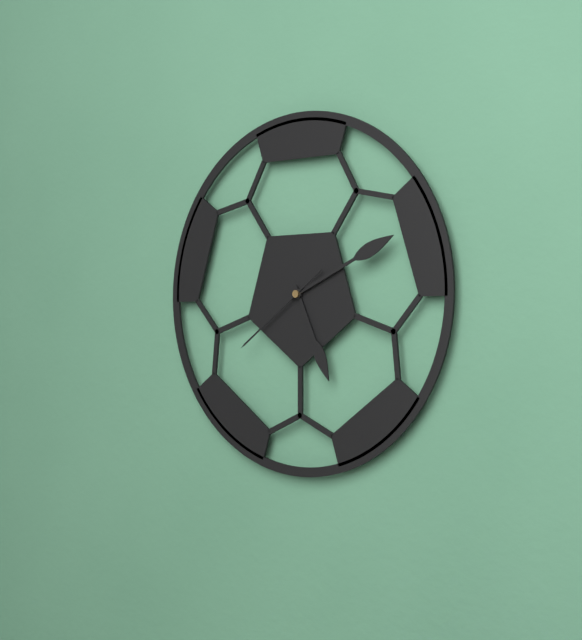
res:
h=5 m=11 s=39
